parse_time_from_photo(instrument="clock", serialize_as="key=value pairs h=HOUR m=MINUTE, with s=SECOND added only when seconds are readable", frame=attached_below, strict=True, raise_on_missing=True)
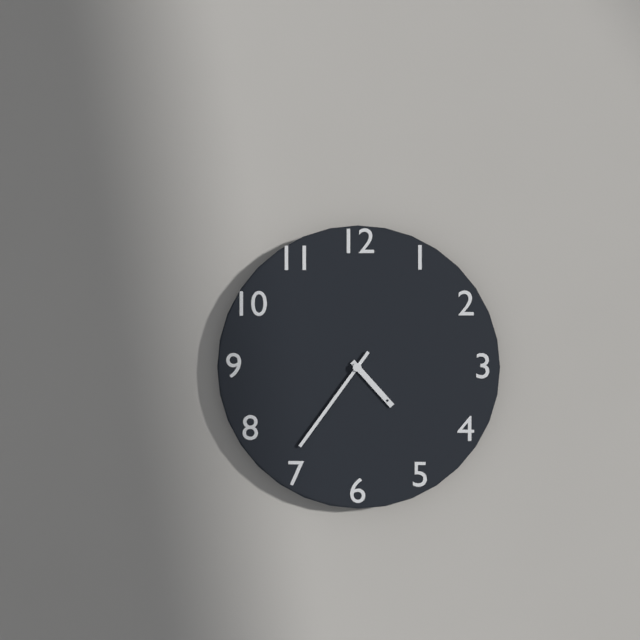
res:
h=4 m=36
